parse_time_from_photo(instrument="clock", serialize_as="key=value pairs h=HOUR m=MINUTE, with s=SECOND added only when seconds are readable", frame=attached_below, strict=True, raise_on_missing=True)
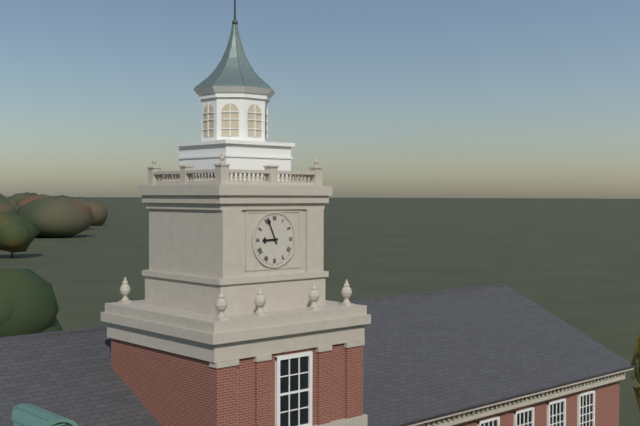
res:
h=8 m=56
